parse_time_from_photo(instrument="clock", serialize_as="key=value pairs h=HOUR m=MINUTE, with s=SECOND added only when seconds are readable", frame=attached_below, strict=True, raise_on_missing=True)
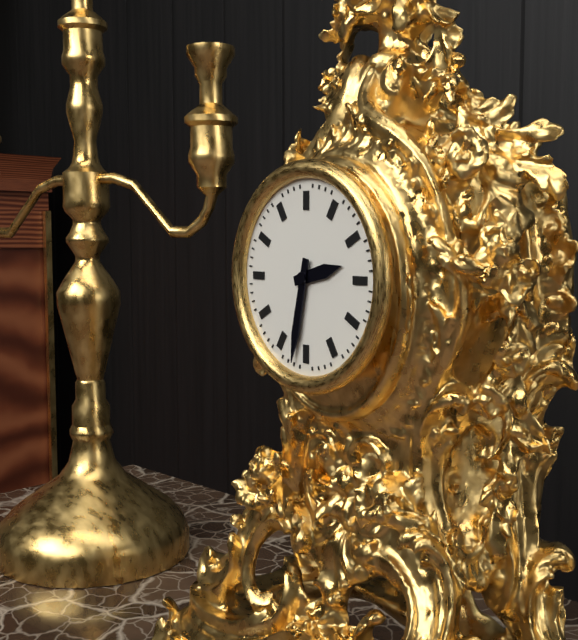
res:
h=2 m=32
